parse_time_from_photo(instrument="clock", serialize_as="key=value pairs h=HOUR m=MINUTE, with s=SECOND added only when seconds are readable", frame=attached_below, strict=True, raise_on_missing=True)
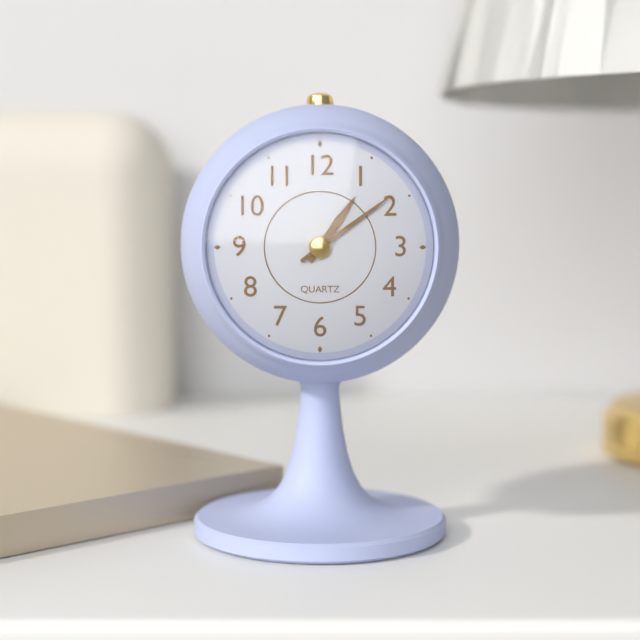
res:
h=1 m=9
